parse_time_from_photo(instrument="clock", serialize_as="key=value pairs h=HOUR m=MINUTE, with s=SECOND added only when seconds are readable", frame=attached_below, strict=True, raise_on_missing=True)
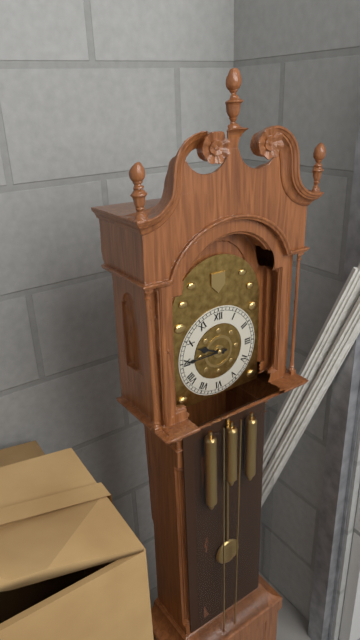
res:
h=9 m=45
